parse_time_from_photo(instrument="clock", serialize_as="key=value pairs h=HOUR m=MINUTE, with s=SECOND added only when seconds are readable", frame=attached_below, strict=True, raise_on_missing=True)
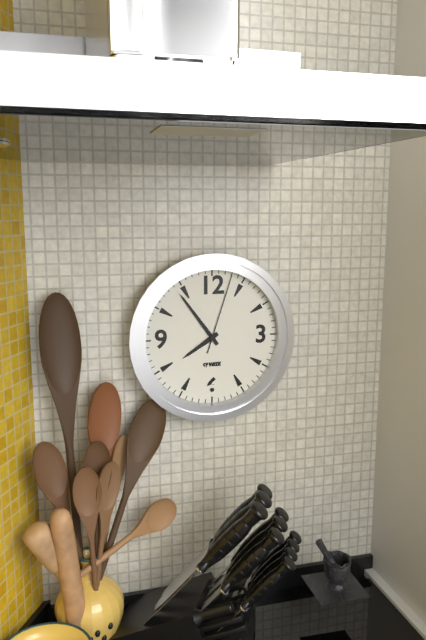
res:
h=7 m=54 s=3
